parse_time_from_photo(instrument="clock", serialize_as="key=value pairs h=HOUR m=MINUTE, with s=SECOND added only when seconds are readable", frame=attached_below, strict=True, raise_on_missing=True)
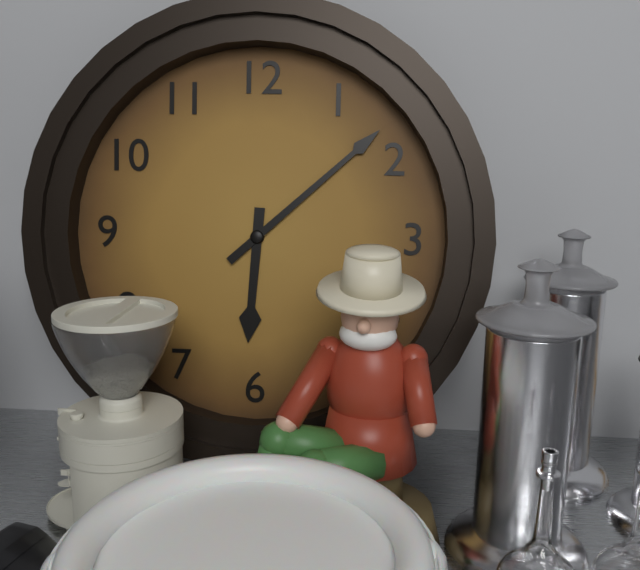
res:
h=6 m=8
